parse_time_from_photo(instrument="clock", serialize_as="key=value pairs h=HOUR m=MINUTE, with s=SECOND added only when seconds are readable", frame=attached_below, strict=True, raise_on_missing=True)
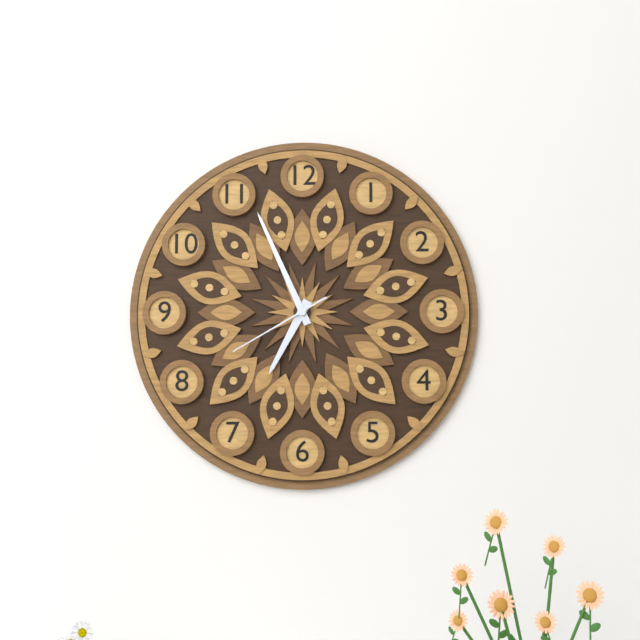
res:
h=6 m=56 s=40
